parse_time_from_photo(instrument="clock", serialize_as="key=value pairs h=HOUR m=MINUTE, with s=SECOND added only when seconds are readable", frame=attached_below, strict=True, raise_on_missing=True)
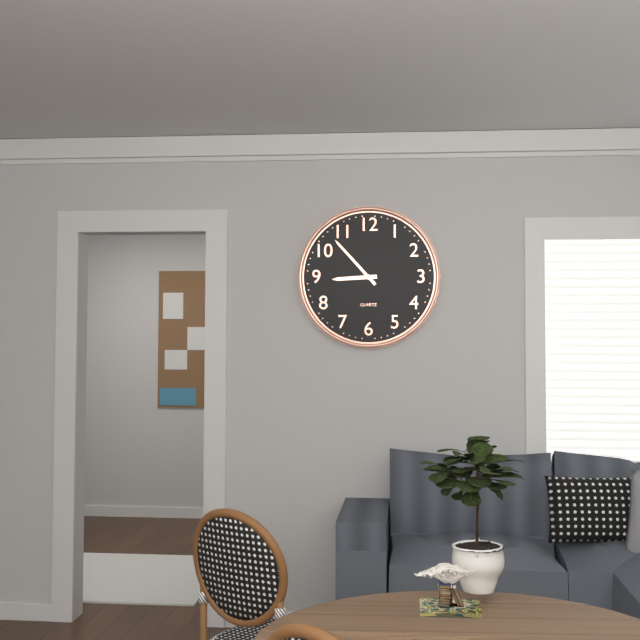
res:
h=8 m=53
